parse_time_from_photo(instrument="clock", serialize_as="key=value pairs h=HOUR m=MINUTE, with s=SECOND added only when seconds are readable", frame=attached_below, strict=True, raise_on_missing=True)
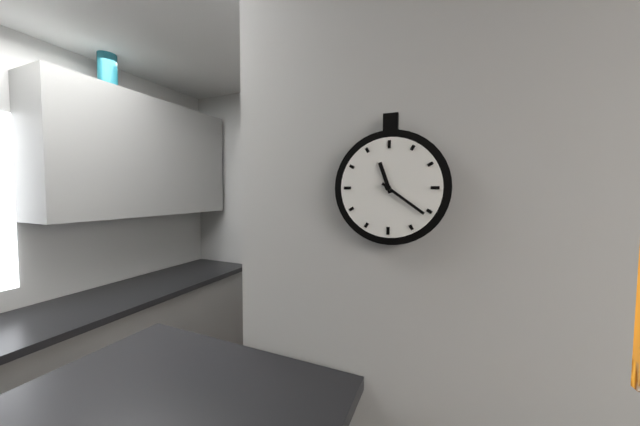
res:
h=11 m=21
